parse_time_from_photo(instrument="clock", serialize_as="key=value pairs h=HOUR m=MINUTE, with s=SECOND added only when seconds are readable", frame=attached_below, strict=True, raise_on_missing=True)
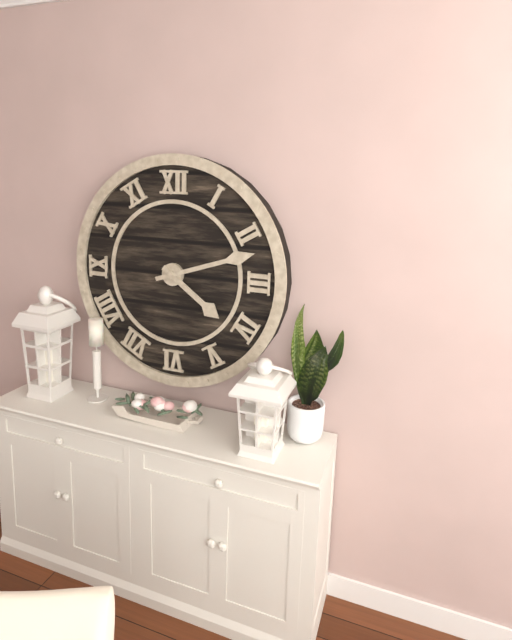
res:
h=4 m=12
